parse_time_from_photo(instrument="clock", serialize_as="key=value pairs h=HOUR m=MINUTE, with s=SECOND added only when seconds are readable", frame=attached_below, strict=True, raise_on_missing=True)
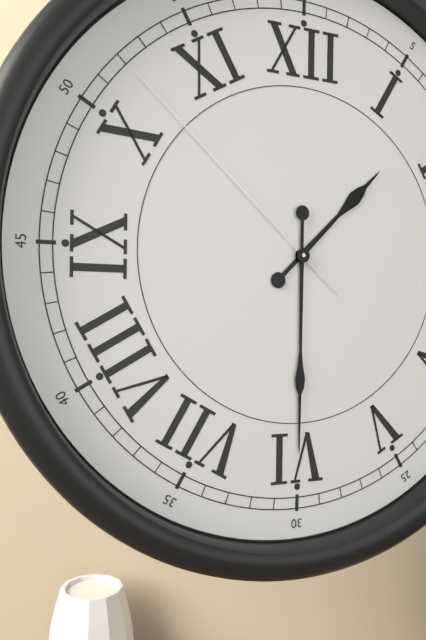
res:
h=1 m=30 s=52
